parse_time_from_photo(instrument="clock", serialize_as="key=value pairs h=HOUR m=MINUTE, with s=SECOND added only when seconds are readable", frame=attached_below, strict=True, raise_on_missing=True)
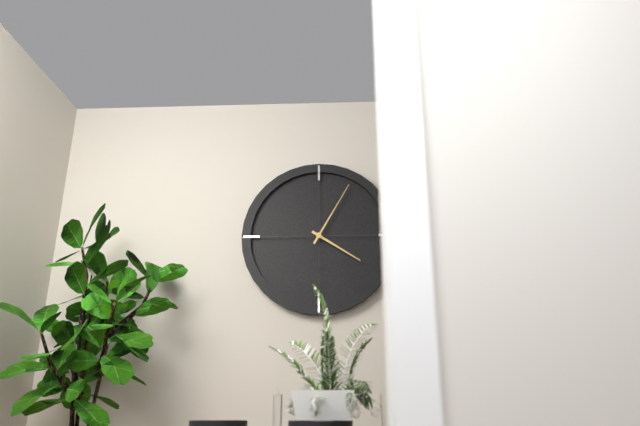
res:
h=4 m=5
